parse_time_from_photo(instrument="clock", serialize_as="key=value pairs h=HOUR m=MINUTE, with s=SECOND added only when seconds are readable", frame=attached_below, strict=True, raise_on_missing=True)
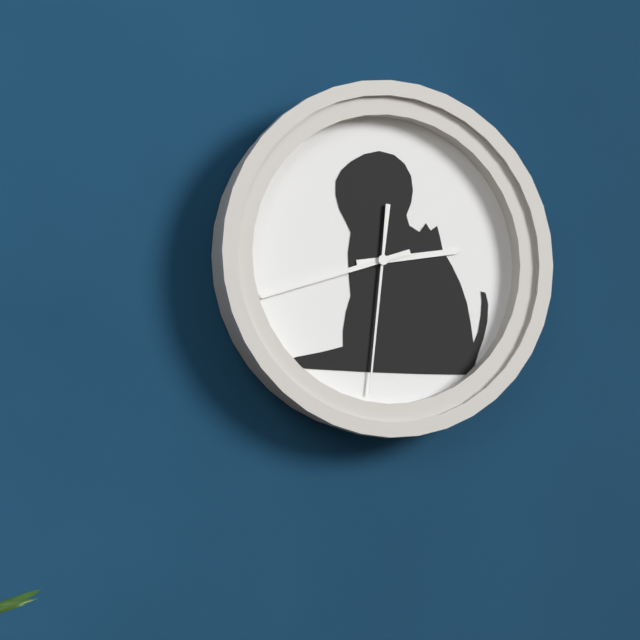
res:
h=2 m=42 s=31
